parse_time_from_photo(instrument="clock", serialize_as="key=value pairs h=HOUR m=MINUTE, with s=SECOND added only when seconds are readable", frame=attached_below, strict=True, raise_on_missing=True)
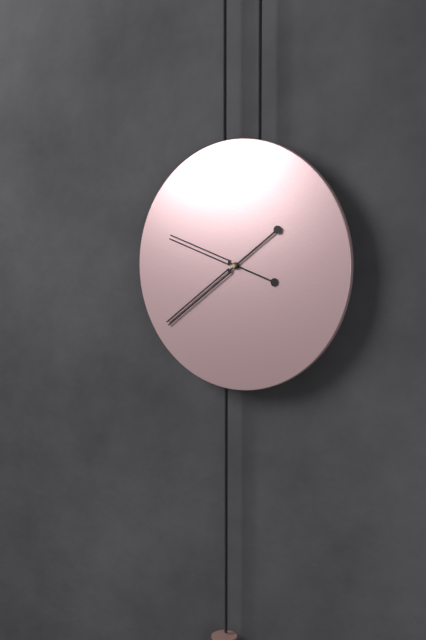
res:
h=9 m=39
